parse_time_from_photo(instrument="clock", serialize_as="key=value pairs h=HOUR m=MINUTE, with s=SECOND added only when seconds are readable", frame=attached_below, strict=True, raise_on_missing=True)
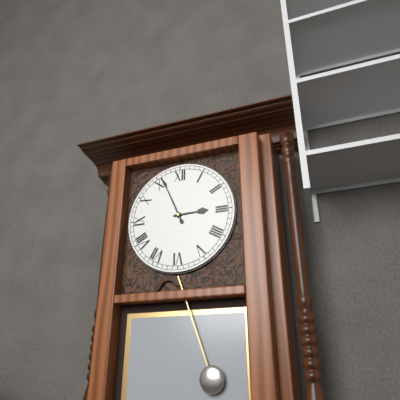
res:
h=2 m=56
